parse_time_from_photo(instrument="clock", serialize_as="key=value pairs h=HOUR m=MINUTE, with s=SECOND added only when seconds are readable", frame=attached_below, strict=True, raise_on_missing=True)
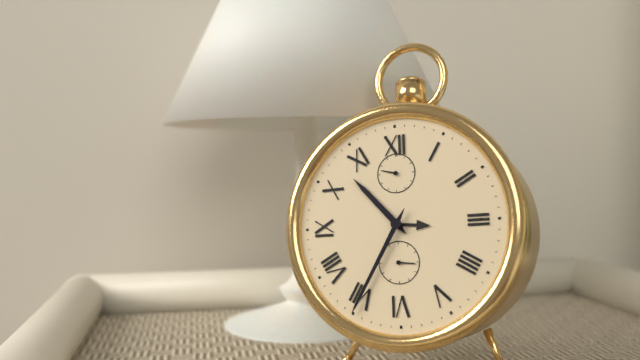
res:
h=10 m=35
